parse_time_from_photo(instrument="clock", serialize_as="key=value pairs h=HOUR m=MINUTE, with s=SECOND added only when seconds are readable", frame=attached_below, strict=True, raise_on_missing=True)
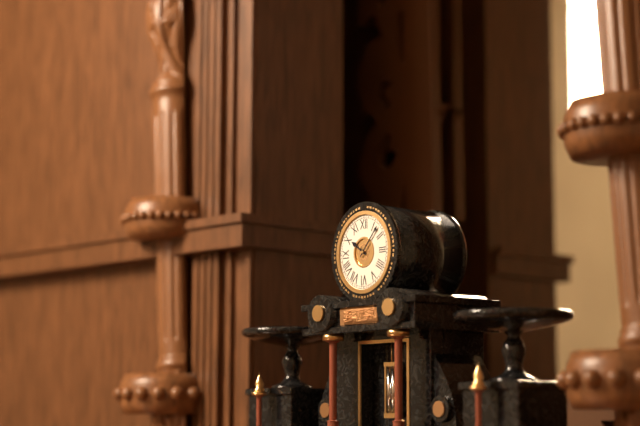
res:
h=10 m=7
